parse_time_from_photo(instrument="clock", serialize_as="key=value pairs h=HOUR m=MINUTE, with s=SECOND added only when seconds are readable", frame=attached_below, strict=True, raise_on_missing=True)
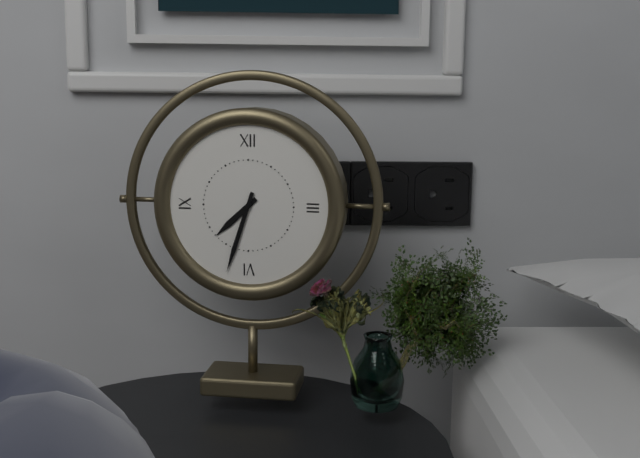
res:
h=7 m=33
